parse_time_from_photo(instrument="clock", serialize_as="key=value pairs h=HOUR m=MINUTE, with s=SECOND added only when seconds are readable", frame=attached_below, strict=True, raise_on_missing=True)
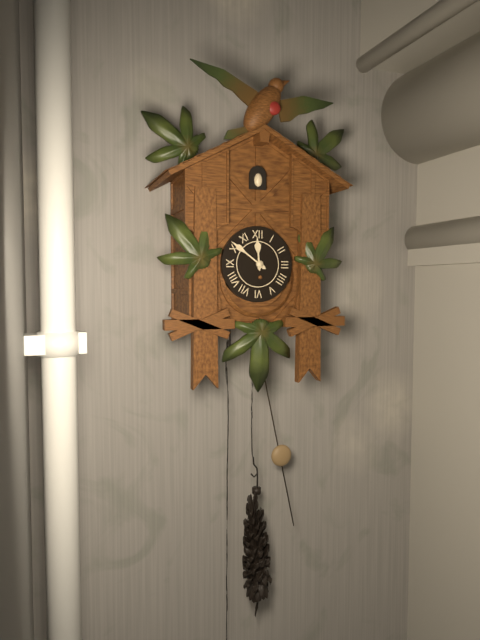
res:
h=11 m=51
